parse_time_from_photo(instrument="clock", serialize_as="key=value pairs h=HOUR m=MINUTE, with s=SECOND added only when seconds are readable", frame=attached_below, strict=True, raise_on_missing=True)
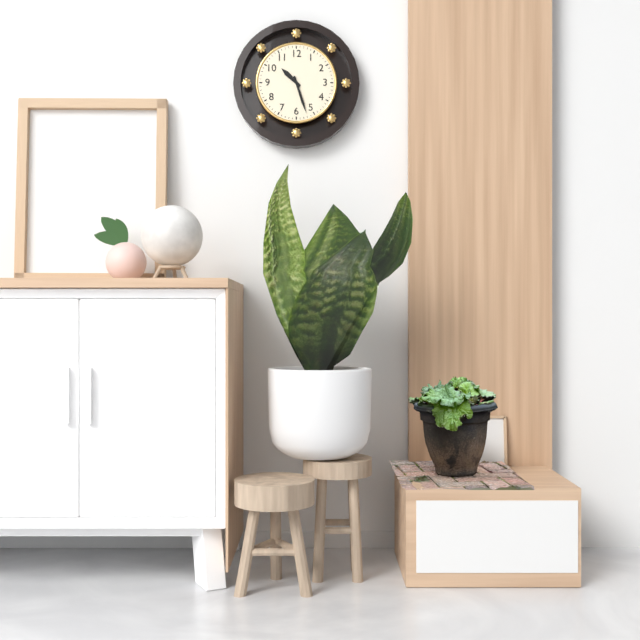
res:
h=10 m=27
